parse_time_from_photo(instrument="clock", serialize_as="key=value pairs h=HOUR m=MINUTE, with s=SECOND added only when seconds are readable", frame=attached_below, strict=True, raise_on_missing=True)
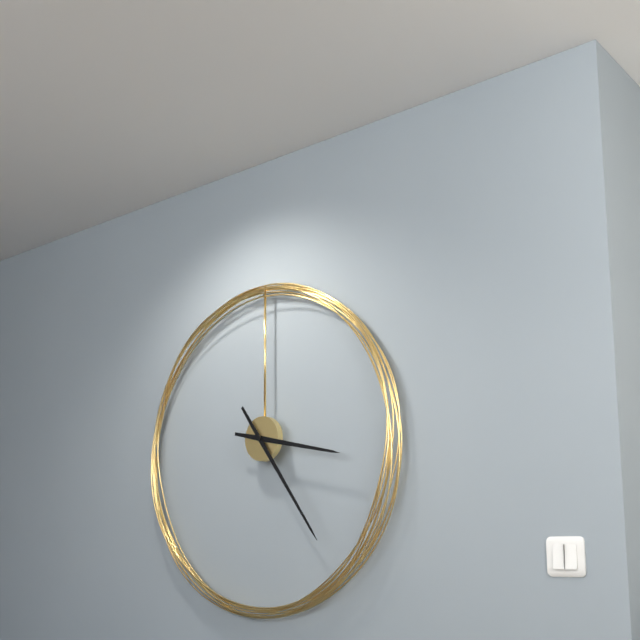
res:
h=3 m=24
